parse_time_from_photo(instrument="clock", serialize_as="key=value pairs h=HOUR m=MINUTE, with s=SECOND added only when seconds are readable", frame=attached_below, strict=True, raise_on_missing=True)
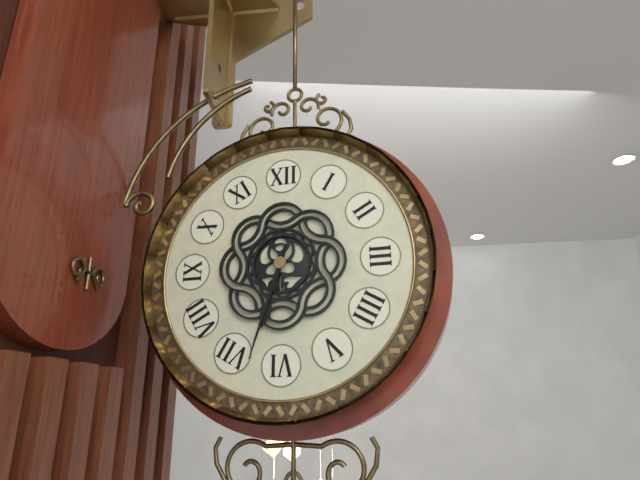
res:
h=6 m=33
